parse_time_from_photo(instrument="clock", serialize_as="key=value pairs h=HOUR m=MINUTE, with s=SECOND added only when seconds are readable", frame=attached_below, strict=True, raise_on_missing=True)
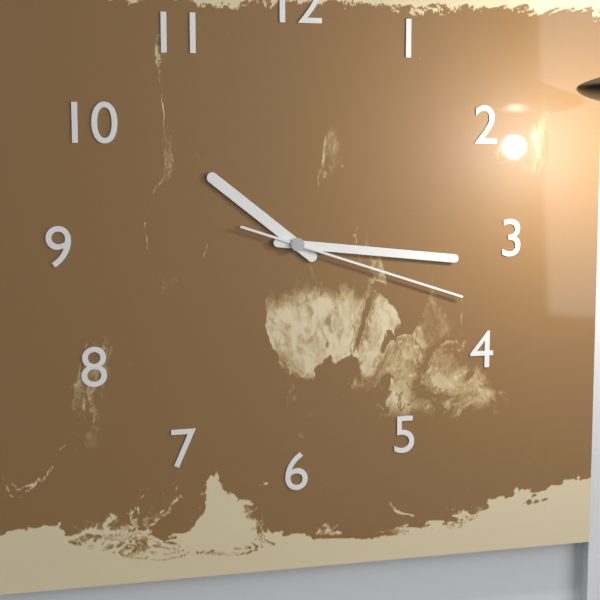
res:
h=10 m=16 s=18
